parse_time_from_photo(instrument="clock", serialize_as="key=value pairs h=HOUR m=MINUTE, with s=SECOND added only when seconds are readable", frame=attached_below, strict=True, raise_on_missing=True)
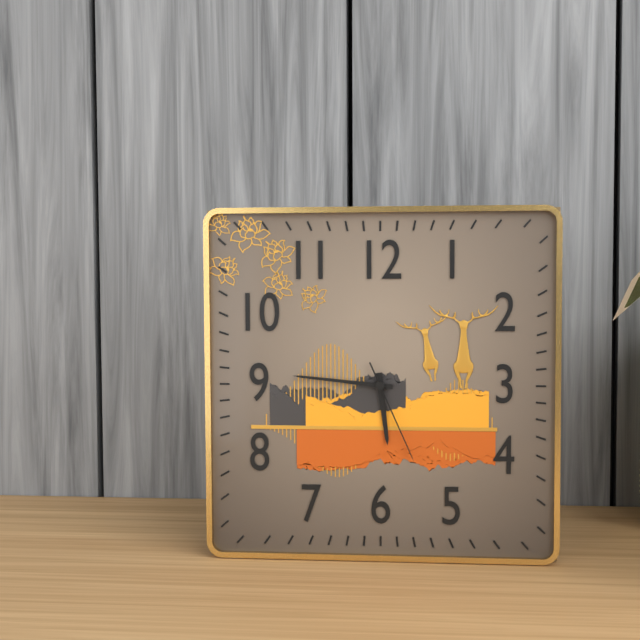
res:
h=5 m=46 s=26
